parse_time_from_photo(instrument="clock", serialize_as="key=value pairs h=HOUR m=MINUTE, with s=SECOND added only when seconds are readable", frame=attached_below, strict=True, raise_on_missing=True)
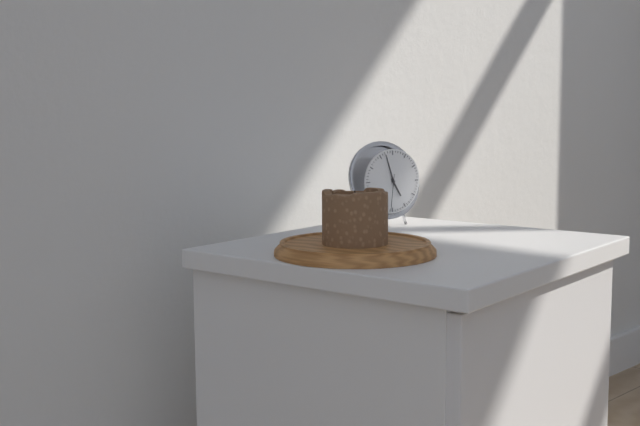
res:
h=4 m=57
